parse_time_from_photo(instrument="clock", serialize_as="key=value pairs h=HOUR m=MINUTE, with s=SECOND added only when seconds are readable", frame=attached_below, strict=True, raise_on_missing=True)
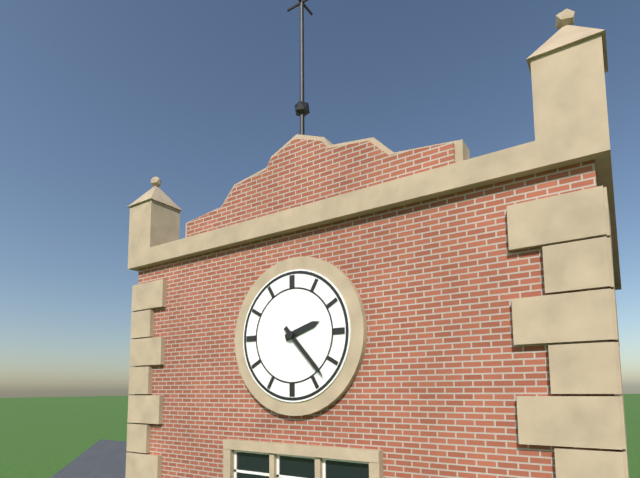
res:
h=2 m=23
